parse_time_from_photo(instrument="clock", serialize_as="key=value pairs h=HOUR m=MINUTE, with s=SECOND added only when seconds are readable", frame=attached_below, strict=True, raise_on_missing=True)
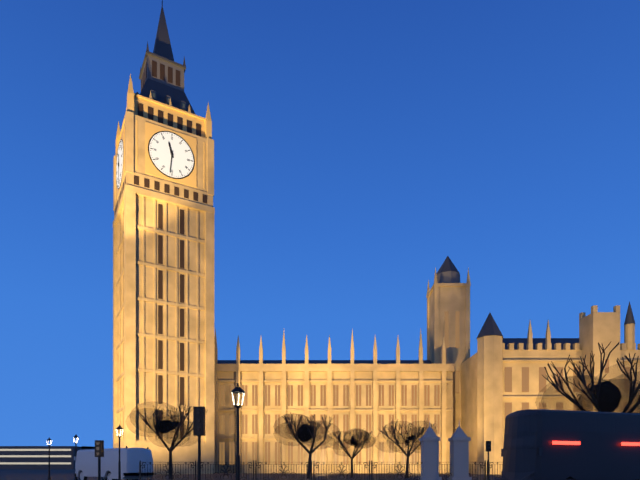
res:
h=11 m=31
